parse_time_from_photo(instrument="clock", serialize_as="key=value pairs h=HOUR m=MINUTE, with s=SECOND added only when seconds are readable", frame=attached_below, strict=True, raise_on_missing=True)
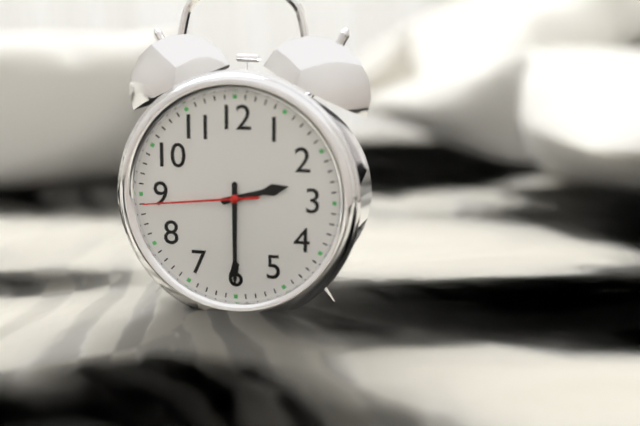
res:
h=2 m=30 s=44
